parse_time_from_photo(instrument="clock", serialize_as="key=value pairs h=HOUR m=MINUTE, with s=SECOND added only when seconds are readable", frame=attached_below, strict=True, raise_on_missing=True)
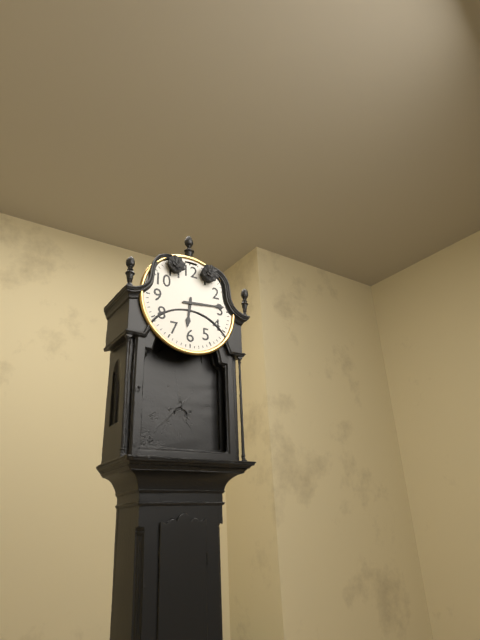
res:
h=6 m=14
